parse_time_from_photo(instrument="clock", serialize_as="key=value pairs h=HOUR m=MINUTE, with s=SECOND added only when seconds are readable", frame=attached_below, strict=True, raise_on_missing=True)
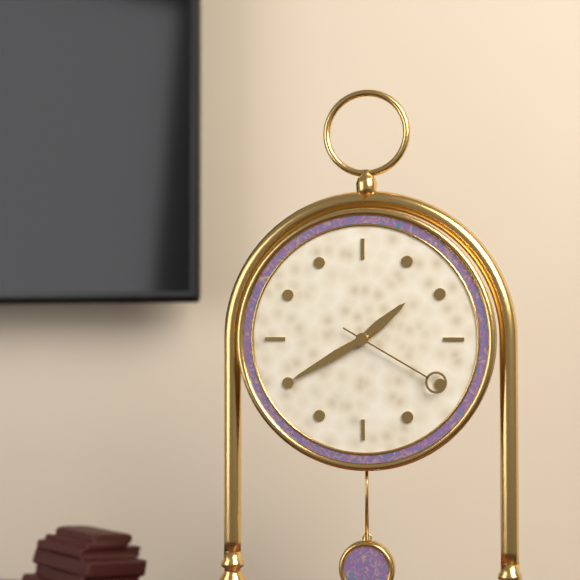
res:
h=1 m=40 s=20
